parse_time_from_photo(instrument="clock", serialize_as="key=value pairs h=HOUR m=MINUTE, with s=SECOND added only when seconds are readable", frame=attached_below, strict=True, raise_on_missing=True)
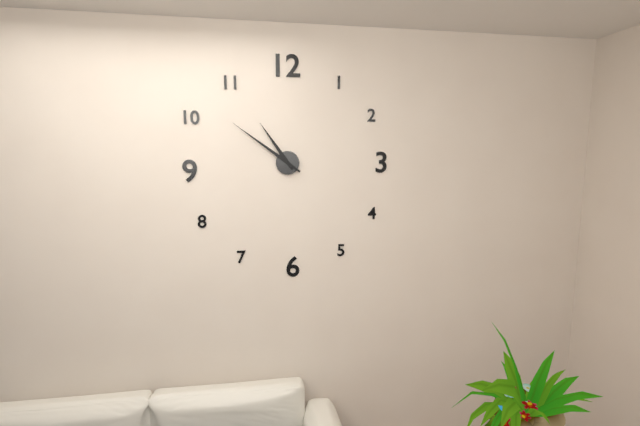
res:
h=10 m=51
